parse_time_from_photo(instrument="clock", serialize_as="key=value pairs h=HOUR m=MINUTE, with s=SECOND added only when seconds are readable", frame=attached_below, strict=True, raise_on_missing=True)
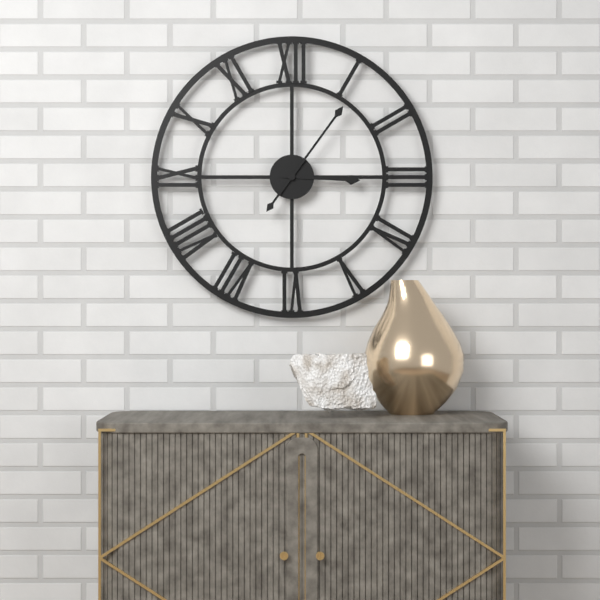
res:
h=3 m=6
